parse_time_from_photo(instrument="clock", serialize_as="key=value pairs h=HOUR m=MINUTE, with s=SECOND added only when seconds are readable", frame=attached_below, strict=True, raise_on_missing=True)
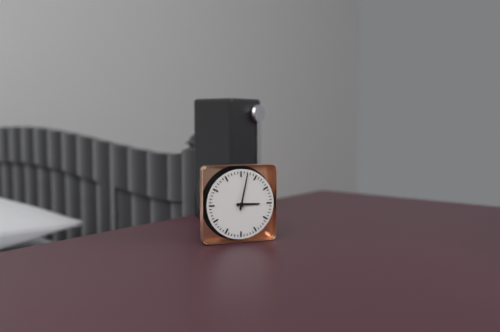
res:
h=3 m=2
